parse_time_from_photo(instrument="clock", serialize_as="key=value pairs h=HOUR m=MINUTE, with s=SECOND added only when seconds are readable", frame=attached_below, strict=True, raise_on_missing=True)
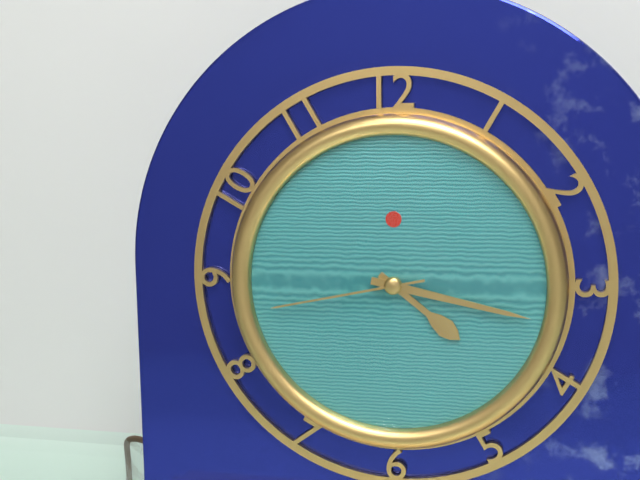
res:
h=4 m=17 s=43
